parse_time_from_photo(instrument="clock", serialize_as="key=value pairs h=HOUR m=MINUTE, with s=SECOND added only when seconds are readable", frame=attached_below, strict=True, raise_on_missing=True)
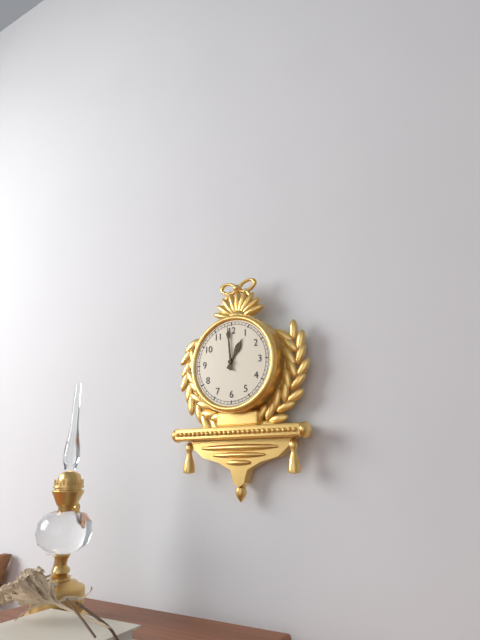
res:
h=12 m=59
